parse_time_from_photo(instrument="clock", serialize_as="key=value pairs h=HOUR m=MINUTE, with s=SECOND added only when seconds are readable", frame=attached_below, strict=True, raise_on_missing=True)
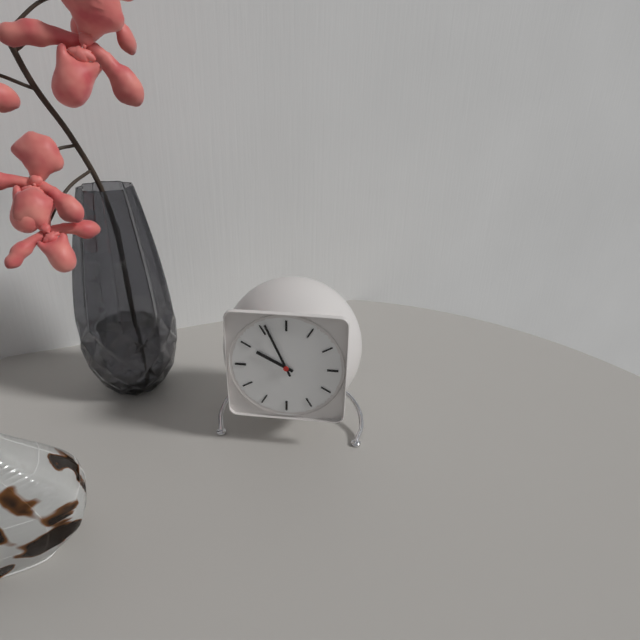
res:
h=9 m=56
